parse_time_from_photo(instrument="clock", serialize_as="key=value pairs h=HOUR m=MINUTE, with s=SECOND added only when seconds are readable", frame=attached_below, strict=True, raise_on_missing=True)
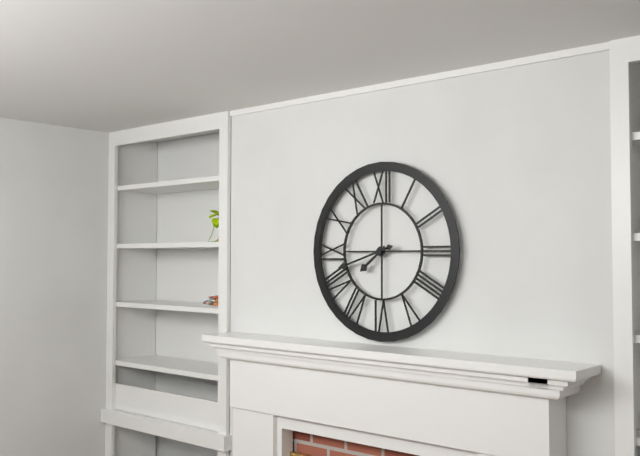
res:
h=7 m=42
